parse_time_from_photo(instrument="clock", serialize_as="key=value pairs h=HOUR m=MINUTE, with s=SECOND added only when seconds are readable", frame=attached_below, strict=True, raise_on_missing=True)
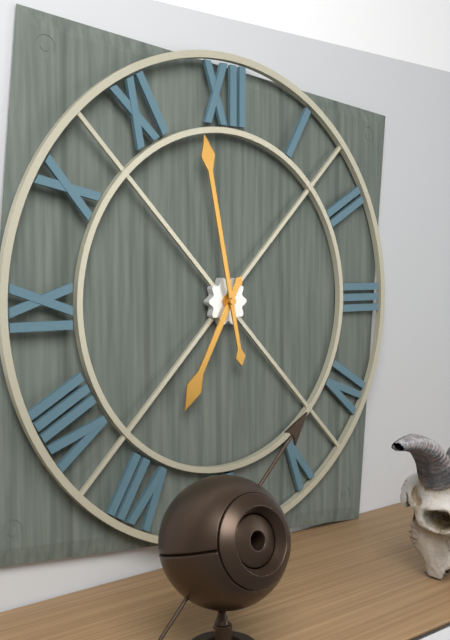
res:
h=6 m=58
